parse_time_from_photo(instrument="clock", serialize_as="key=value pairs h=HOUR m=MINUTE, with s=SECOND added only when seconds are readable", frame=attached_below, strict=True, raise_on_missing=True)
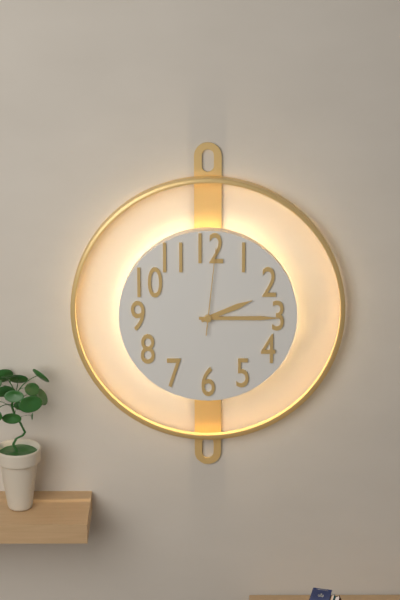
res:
h=2 m=15 s=1
